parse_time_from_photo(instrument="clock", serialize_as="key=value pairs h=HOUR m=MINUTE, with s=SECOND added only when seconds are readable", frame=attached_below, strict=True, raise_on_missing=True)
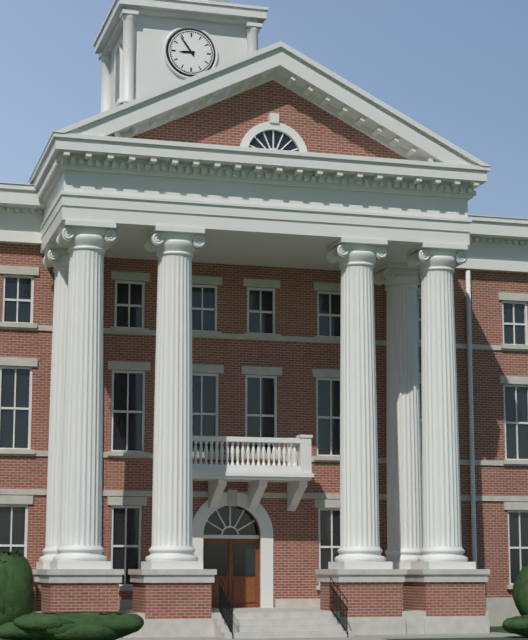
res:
h=8 m=54
